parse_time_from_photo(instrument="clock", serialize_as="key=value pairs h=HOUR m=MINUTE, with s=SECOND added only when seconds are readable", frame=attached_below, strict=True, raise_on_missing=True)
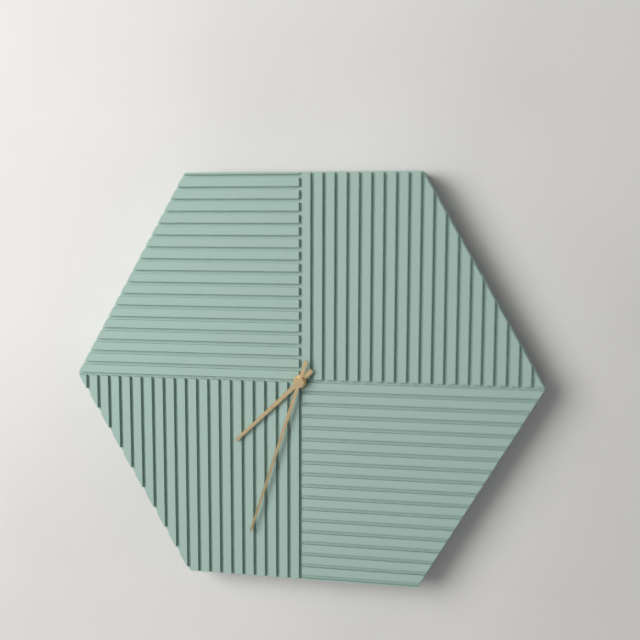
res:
h=7 m=33
